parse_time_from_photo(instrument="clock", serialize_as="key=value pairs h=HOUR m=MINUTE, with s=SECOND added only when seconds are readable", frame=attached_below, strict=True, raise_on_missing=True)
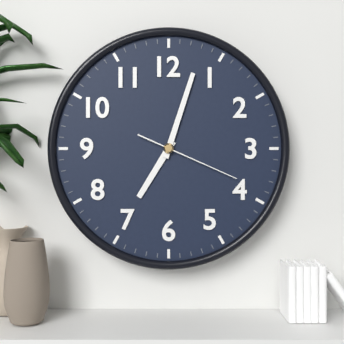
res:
h=7 m=3 s=19
